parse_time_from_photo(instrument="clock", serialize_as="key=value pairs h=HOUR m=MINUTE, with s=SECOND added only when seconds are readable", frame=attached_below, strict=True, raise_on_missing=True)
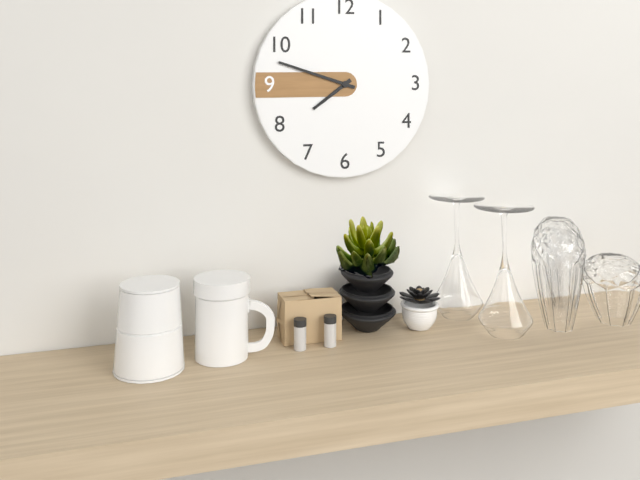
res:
h=7 m=48
